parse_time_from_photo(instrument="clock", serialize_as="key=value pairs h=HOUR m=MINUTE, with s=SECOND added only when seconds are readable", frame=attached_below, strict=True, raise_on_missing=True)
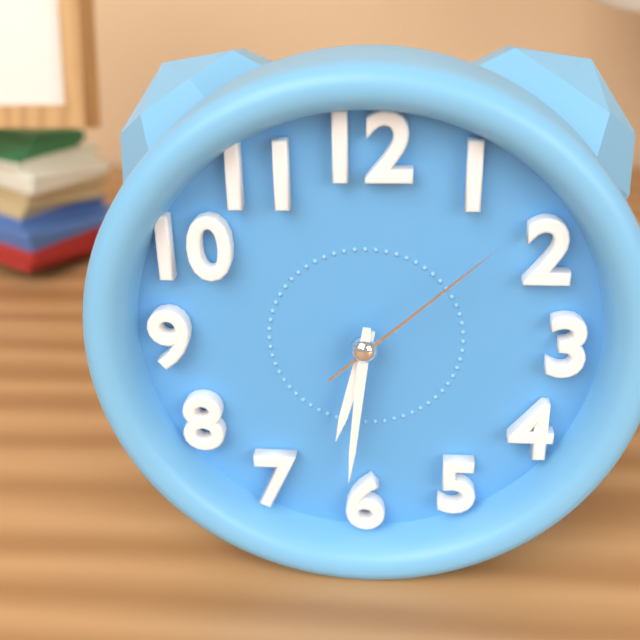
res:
h=6 m=31 s=8
